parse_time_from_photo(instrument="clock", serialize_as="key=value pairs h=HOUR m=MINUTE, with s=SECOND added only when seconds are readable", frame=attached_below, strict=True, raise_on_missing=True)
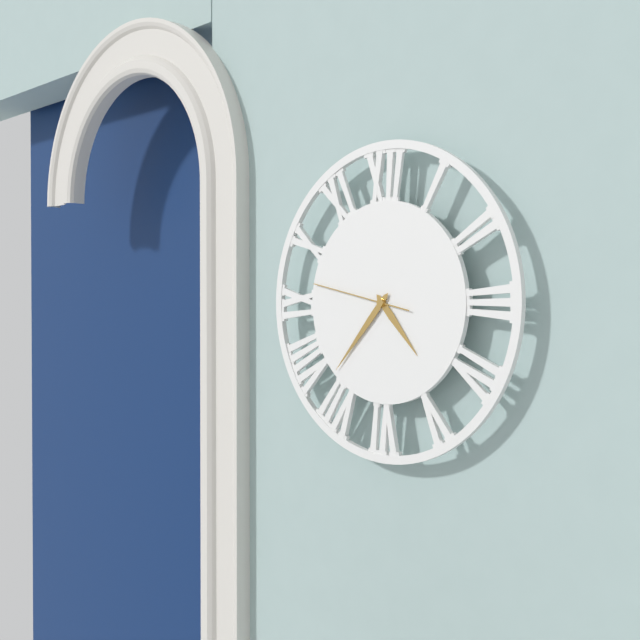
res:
h=4 m=37 s=47
